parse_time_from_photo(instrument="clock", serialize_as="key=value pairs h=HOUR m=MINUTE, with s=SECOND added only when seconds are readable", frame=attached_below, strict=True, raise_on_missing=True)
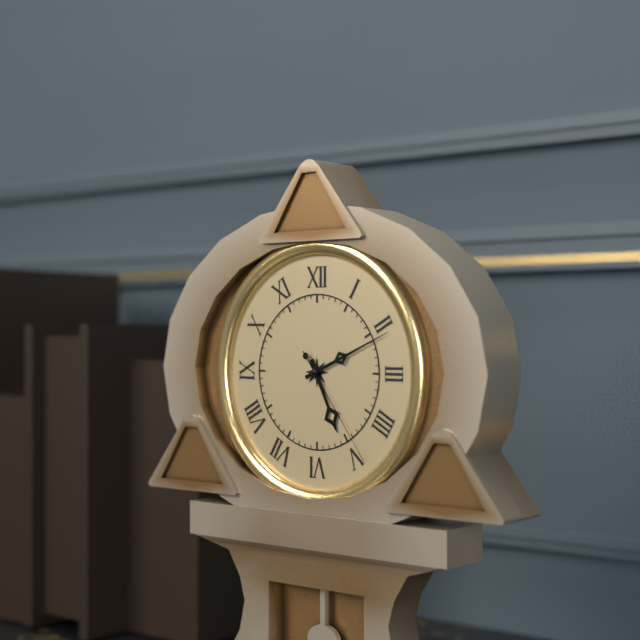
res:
h=5 m=11 s=24
